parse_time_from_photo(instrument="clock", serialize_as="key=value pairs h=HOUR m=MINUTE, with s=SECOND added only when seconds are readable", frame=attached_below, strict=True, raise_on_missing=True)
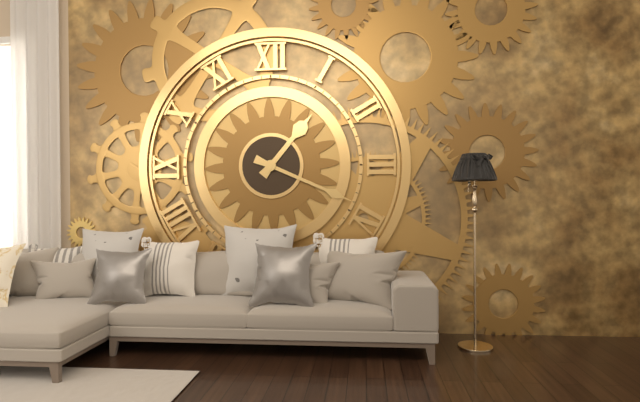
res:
h=1 m=19
